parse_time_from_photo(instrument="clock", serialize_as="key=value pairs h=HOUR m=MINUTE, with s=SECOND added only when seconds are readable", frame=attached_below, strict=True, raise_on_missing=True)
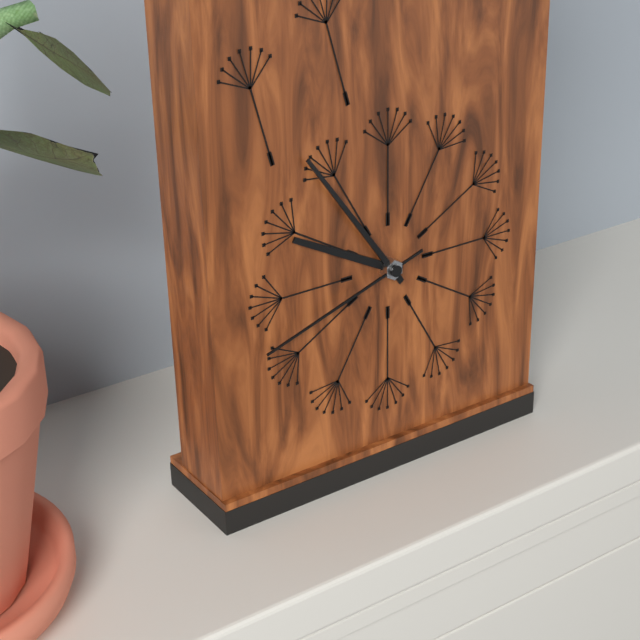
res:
h=9 m=54 s=42
